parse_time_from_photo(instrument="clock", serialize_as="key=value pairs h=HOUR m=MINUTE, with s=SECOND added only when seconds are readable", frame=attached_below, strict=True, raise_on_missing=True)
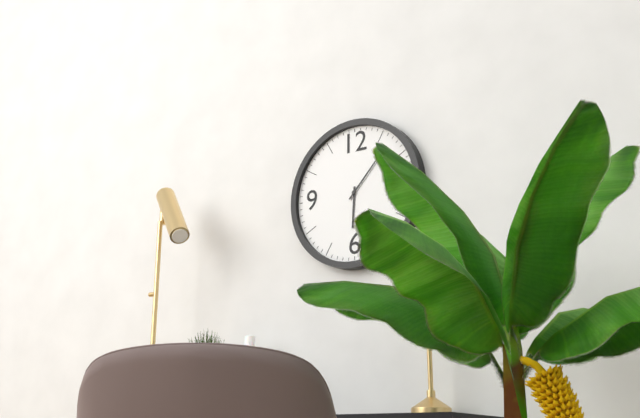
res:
h=6 m=7
